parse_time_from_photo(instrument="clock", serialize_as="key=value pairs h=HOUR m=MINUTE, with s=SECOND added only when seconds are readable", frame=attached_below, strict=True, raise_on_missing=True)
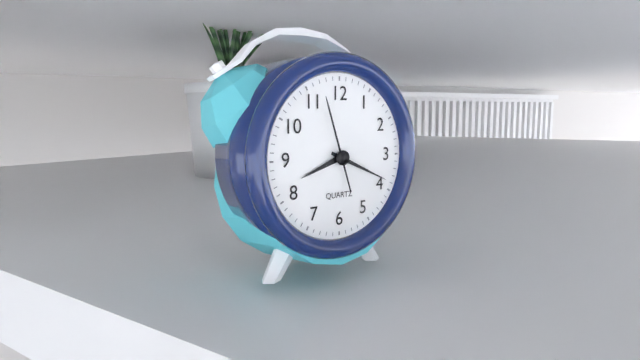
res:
h=8 m=19 s=57
